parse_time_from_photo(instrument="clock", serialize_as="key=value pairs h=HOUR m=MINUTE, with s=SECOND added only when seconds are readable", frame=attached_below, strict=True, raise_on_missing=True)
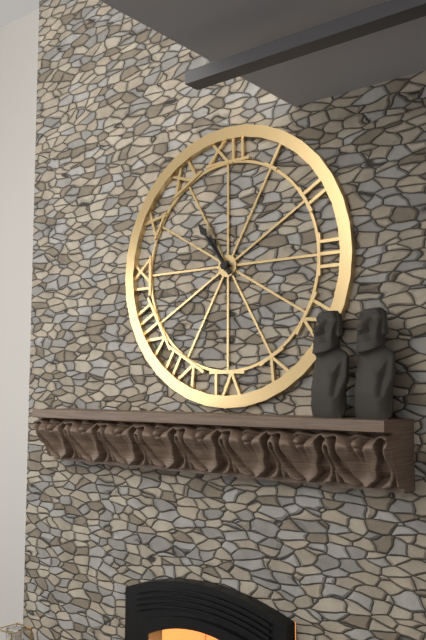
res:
h=10 m=54
